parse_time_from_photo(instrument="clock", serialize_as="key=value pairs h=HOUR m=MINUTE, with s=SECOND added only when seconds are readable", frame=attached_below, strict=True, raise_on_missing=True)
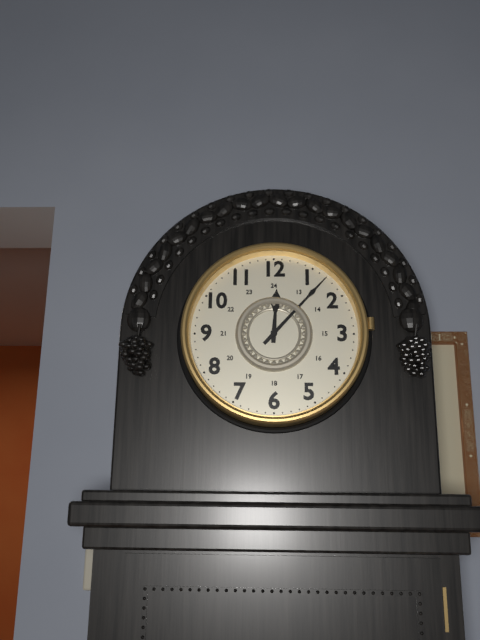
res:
h=12 m=7
